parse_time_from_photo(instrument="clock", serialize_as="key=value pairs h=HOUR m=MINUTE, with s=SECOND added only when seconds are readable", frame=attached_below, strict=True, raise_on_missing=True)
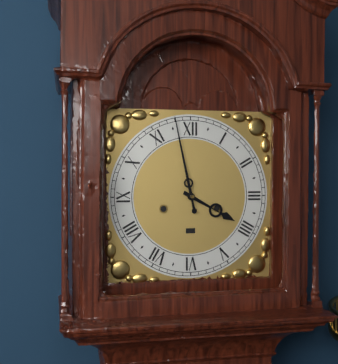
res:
h=3 m=58
